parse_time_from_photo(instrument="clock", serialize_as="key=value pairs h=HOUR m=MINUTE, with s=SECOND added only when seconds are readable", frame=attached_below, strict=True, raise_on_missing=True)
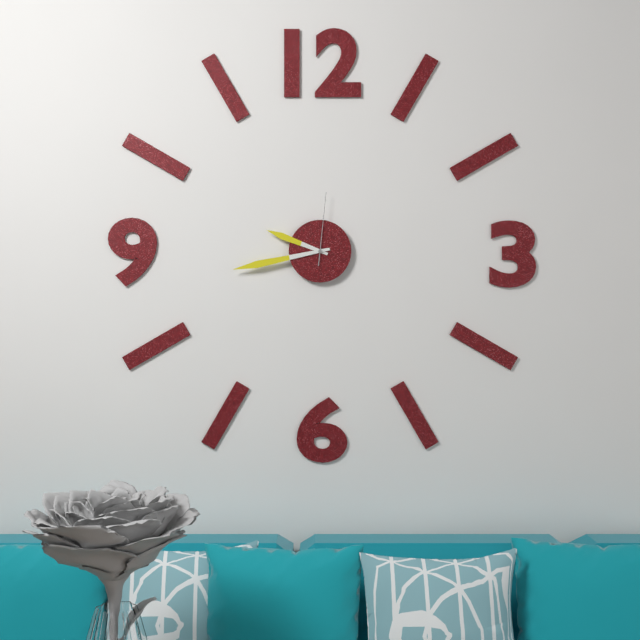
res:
h=9 m=43 s=1
